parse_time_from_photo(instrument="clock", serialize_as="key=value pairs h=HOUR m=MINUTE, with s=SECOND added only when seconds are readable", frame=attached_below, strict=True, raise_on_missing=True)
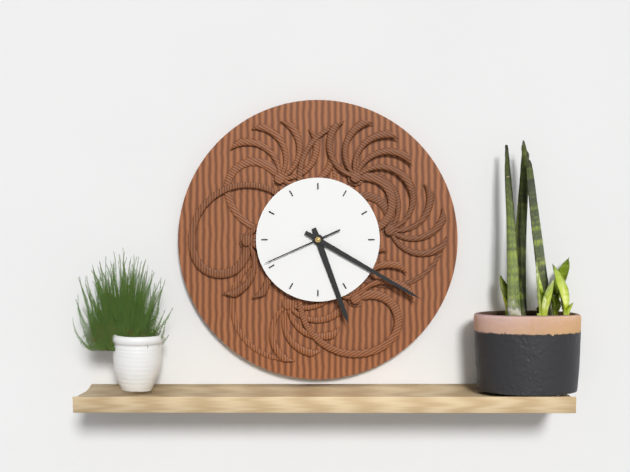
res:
h=5 m=20 s=41
